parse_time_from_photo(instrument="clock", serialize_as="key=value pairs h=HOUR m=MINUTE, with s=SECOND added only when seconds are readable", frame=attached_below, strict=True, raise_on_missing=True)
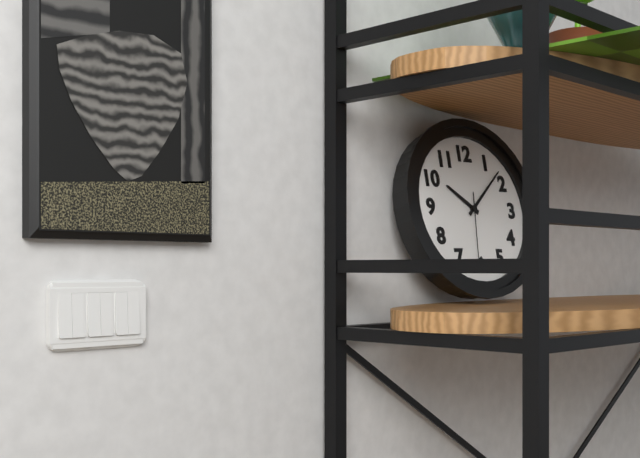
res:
h=10 m=8 s=31
